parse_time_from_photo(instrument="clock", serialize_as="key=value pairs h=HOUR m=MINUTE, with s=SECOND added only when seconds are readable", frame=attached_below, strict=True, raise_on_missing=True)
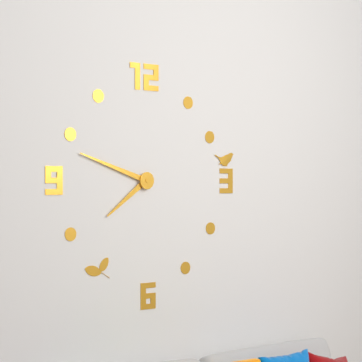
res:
h=7 m=48
